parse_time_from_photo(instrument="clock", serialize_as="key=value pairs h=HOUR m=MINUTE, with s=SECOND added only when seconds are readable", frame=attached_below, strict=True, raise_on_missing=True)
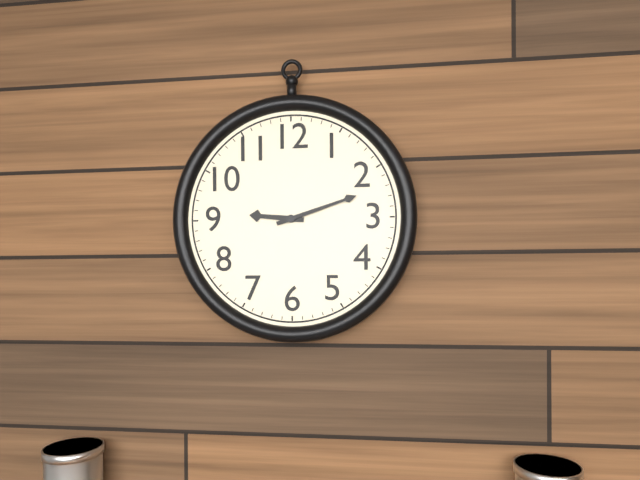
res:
h=9 m=12
